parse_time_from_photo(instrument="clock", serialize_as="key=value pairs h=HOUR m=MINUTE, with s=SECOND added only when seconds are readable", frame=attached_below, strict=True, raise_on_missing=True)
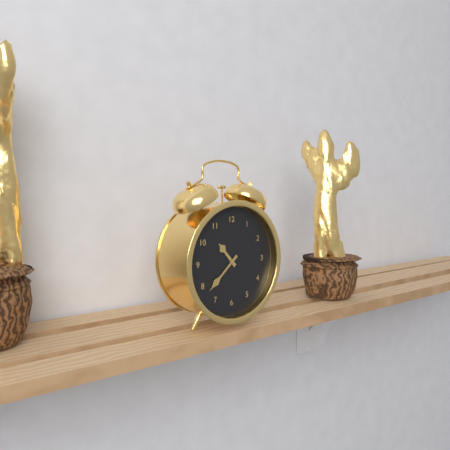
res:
h=10 m=38
